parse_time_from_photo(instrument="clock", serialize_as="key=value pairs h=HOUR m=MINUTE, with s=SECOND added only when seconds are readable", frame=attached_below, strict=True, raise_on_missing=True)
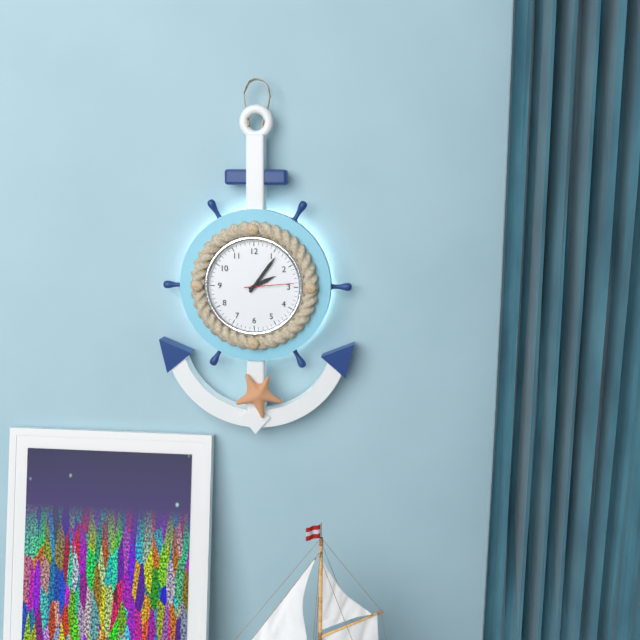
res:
h=2 m=6 s=14
